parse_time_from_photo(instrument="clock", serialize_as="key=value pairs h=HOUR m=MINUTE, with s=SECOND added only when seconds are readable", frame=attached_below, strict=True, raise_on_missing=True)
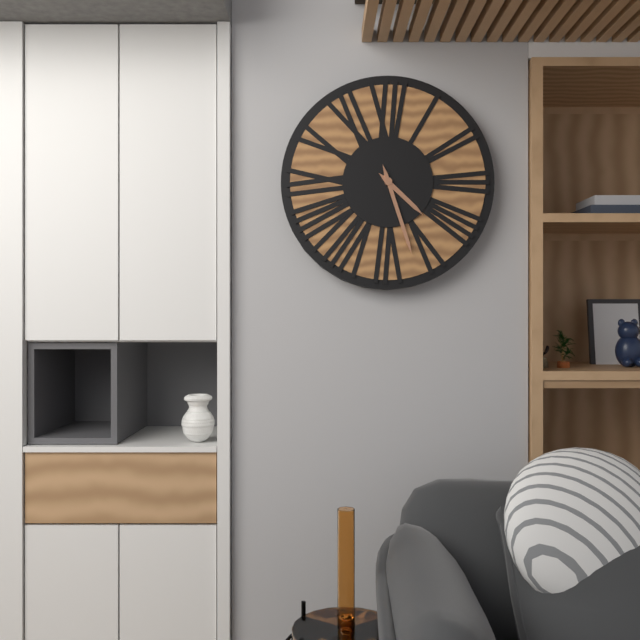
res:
h=4 m=27
